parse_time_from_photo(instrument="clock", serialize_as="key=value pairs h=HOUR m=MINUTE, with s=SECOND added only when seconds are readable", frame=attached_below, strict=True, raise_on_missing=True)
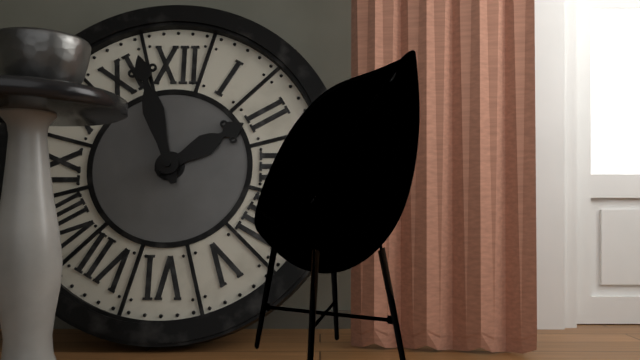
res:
h=1 m=57
